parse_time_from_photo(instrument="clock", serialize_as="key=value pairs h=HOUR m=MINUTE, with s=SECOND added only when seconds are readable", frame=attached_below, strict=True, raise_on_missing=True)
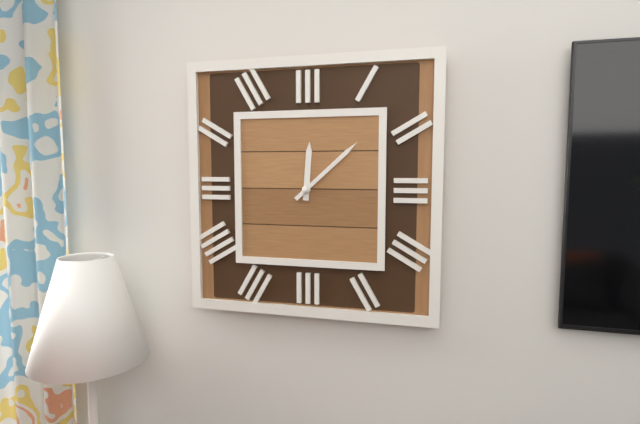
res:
h=12 m=8
